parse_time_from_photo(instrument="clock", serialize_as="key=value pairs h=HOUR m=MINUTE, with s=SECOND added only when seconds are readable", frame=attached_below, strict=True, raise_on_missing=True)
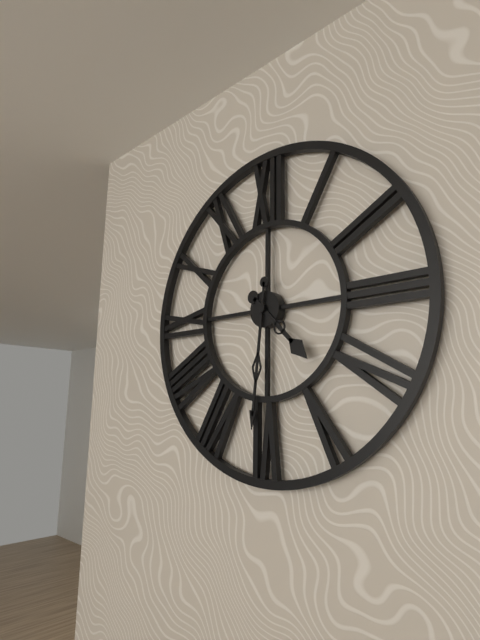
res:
h=4 m=31
